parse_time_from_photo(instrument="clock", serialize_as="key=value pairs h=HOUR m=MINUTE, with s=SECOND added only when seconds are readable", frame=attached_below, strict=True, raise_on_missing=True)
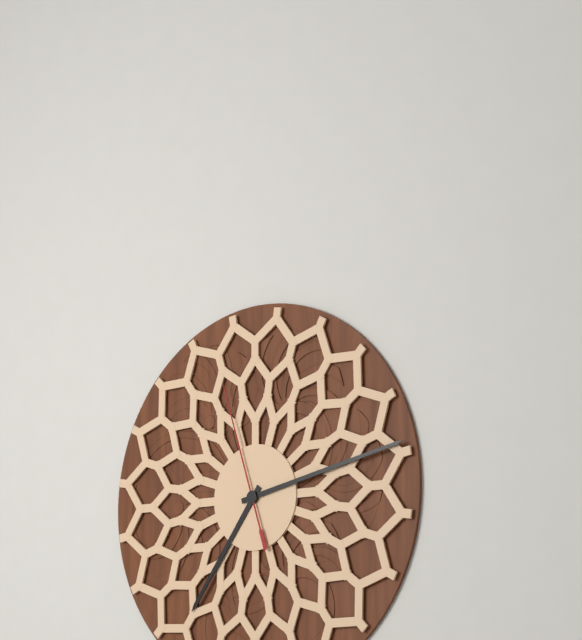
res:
h=7 m=13 s=57
